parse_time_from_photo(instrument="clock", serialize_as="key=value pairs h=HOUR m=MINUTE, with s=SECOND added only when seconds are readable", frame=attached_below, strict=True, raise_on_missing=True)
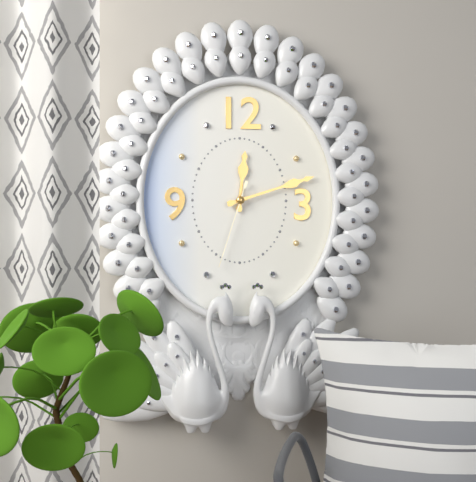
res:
h=12 m=12 s=33
